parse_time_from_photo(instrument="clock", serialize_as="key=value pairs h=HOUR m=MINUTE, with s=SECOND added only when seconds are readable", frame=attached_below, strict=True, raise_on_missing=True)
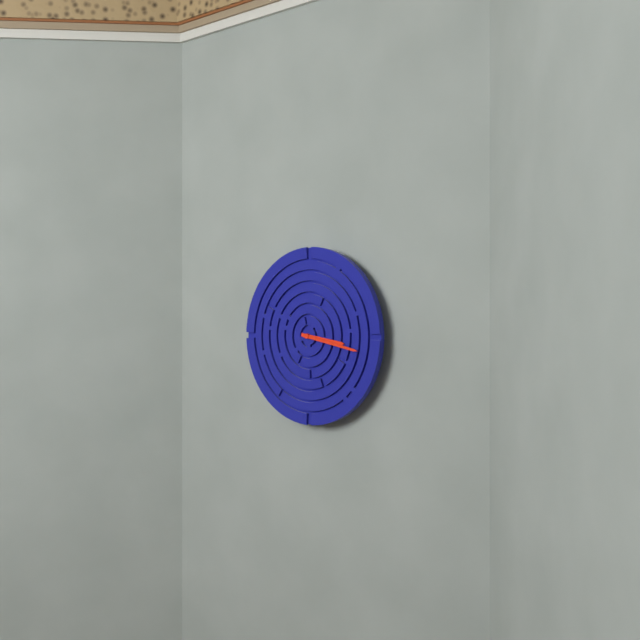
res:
h=3 m=17
